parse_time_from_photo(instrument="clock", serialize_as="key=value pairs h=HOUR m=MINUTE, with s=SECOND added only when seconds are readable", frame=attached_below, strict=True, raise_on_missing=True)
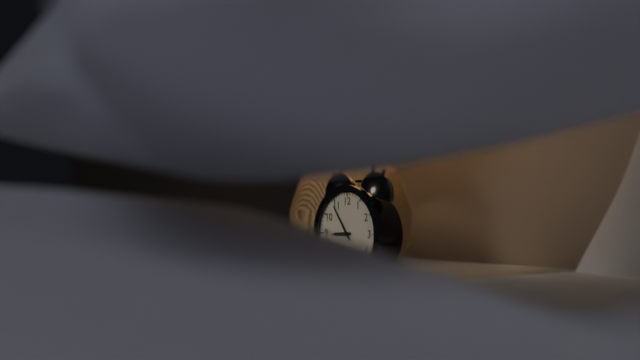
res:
h=8 m=54
